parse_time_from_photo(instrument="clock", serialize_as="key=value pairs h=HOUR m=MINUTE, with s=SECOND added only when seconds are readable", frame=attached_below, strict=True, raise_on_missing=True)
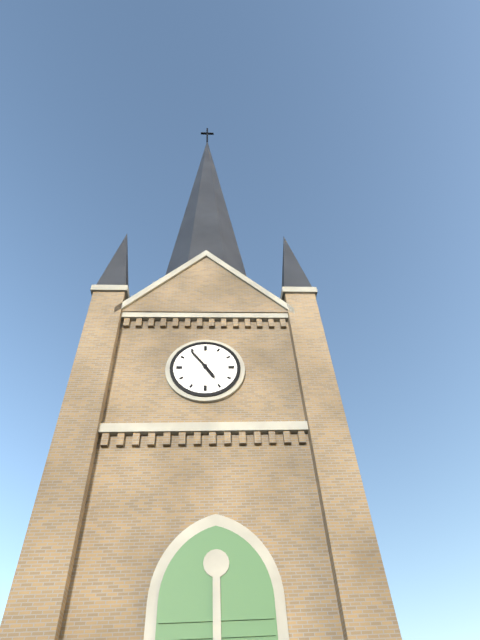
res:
h=4 m=54
